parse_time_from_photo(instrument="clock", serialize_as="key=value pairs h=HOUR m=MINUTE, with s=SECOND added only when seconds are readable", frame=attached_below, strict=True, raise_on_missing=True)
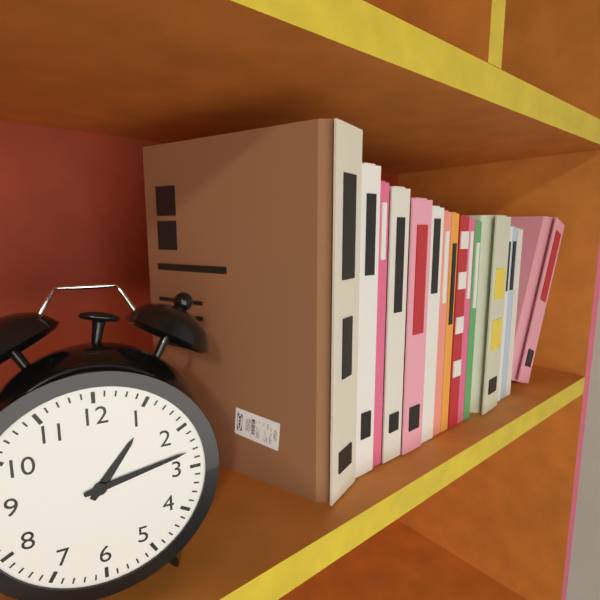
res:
h=1 m=13
